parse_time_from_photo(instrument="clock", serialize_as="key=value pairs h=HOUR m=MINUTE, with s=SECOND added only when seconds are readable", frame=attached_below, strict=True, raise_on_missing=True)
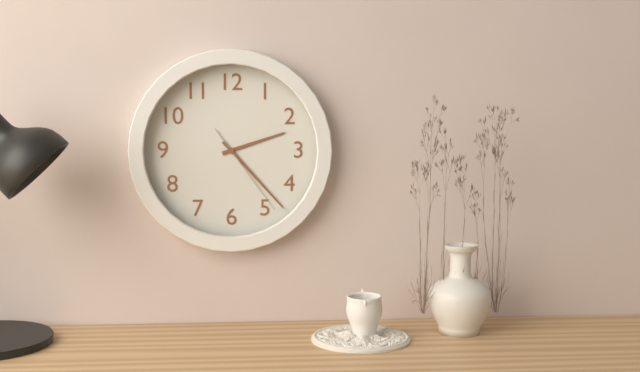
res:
h=2 m=23 s=24
